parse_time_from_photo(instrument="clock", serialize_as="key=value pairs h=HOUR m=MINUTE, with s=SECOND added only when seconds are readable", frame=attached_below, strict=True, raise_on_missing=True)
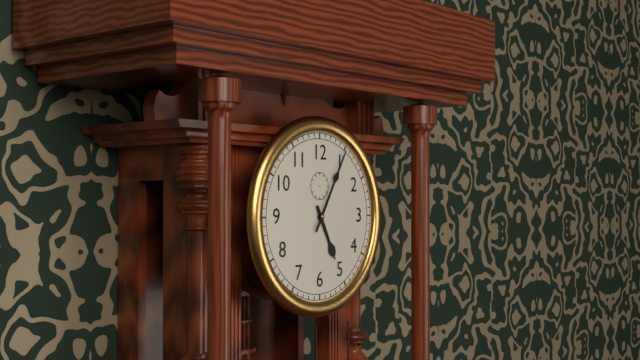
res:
h=5 m=5
